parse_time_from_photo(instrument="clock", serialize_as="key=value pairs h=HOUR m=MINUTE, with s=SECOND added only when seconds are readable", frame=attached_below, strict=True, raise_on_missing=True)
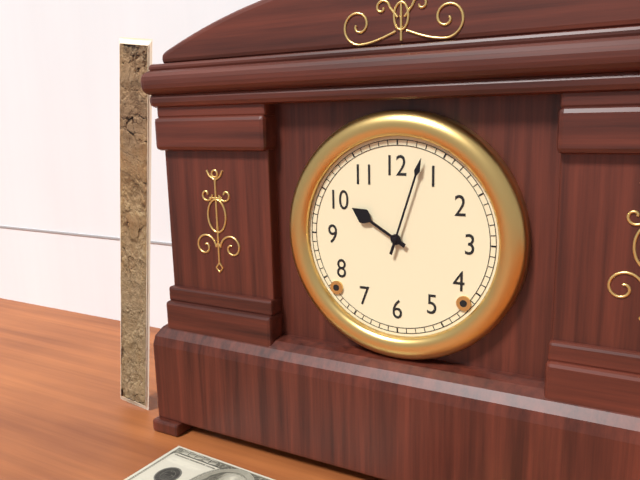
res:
h=10 m=3
